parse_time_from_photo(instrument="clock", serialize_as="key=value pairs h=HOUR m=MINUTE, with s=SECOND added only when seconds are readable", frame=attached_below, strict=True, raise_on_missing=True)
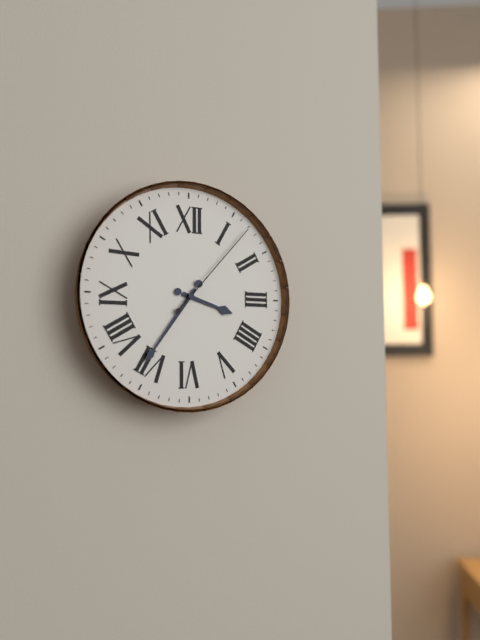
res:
h=3 m=36 s=7
